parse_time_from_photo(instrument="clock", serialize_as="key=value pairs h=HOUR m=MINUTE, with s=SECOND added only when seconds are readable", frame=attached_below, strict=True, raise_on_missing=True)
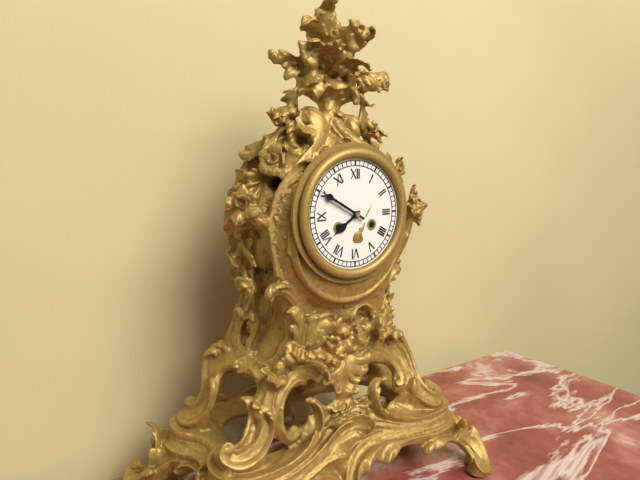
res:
h=7 m=50
